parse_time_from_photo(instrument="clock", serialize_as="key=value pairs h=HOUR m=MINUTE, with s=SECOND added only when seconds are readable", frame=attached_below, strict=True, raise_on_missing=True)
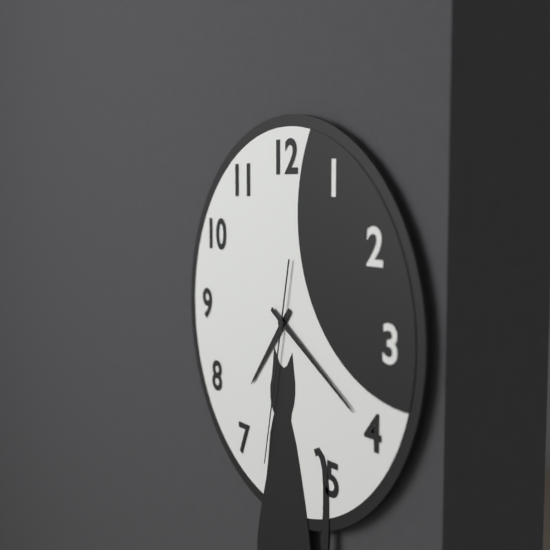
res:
h=7 m=20 s=32
